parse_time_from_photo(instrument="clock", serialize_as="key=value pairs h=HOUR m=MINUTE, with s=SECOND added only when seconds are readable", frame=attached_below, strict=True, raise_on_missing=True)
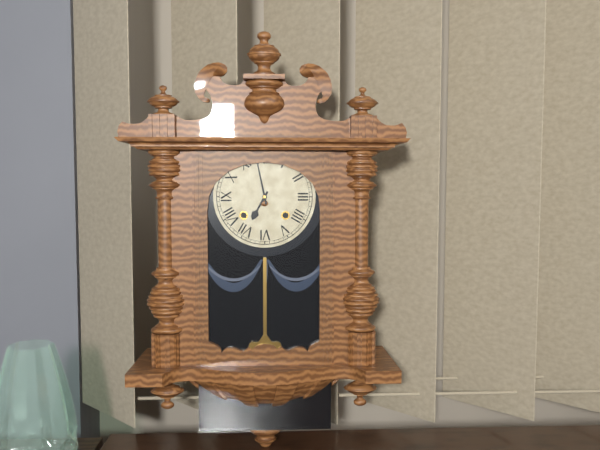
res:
h=6 m=58
